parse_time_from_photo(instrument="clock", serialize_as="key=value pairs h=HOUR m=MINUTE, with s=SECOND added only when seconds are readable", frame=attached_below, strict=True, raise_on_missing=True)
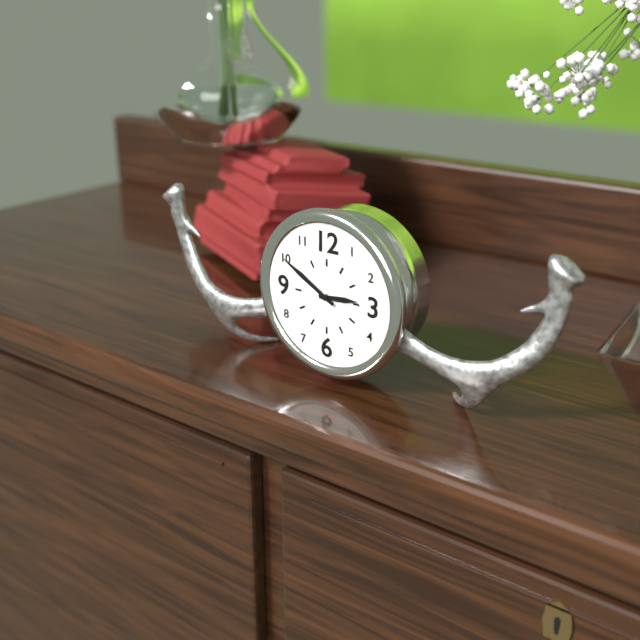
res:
h=2 m=50
